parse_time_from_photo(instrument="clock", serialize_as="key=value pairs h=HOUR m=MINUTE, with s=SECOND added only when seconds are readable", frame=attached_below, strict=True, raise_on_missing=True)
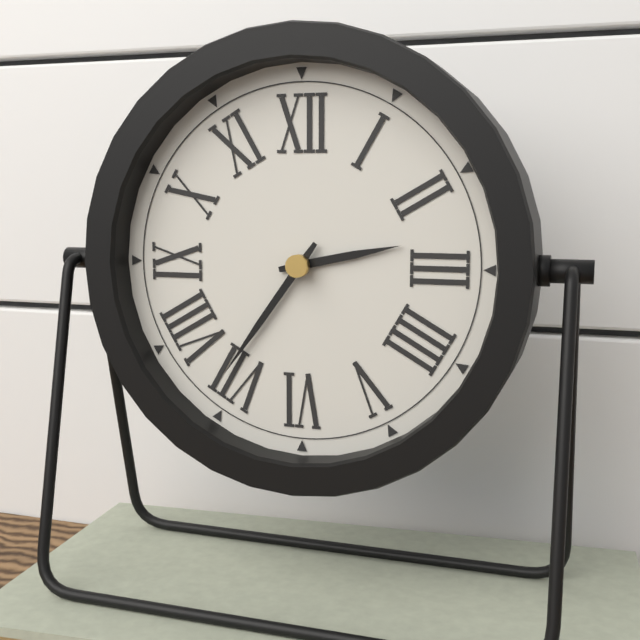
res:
h=2 m=36
